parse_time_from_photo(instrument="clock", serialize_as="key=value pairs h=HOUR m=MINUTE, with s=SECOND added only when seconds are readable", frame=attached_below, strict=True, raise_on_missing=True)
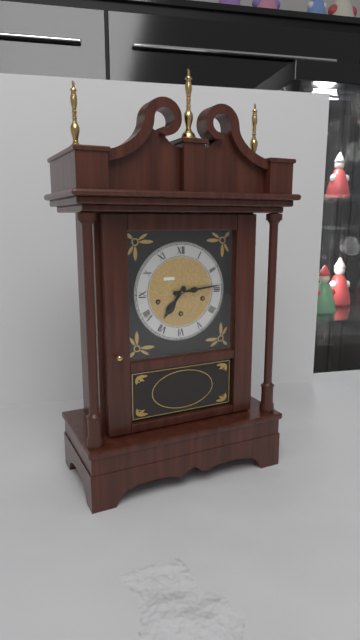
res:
h=7 m=14
